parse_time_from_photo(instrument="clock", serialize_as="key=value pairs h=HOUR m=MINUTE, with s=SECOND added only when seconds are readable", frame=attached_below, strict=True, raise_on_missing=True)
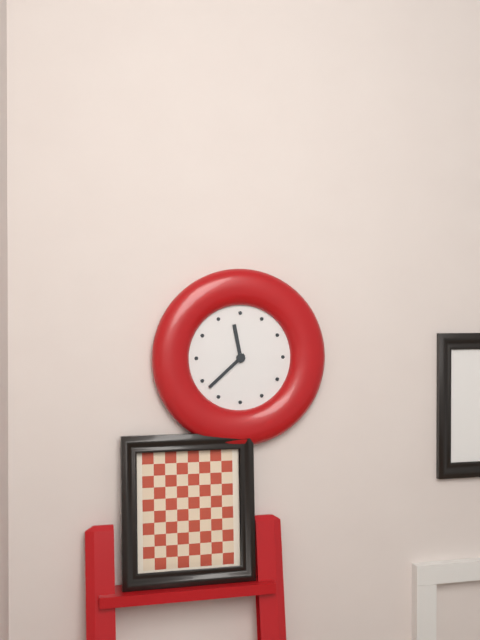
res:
h=11 m=38
